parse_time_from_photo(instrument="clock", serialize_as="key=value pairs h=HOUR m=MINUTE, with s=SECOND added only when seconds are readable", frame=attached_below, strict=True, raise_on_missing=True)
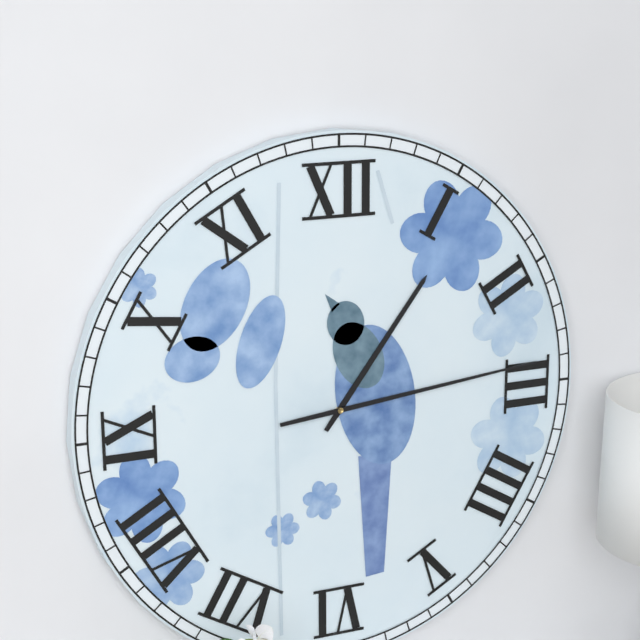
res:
h=1 m=14
